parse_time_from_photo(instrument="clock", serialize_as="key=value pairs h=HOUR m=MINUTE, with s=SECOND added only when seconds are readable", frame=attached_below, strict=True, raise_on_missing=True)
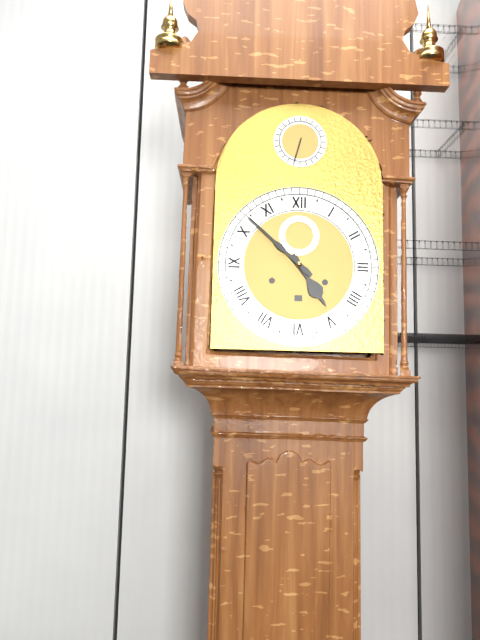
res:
h=4 m=52
